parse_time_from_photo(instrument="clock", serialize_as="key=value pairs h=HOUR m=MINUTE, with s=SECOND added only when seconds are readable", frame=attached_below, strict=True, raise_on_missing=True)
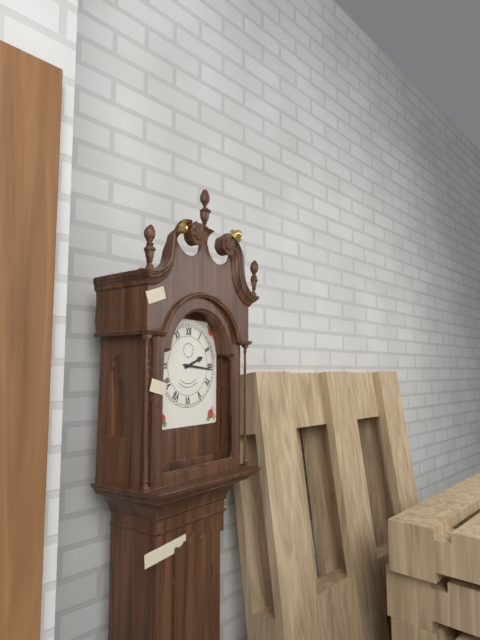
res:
h=2 m=16
